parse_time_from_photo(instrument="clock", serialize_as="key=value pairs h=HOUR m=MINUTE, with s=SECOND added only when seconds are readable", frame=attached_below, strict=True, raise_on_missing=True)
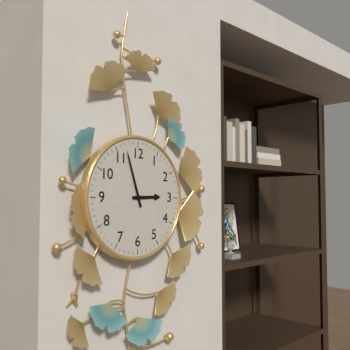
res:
h=2 m=57
